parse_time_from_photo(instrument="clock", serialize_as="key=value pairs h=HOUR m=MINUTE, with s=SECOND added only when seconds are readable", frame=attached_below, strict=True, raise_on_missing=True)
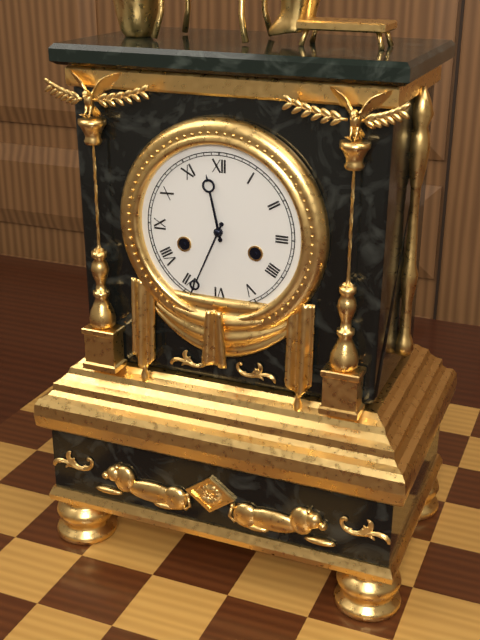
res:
h=11 m=34
